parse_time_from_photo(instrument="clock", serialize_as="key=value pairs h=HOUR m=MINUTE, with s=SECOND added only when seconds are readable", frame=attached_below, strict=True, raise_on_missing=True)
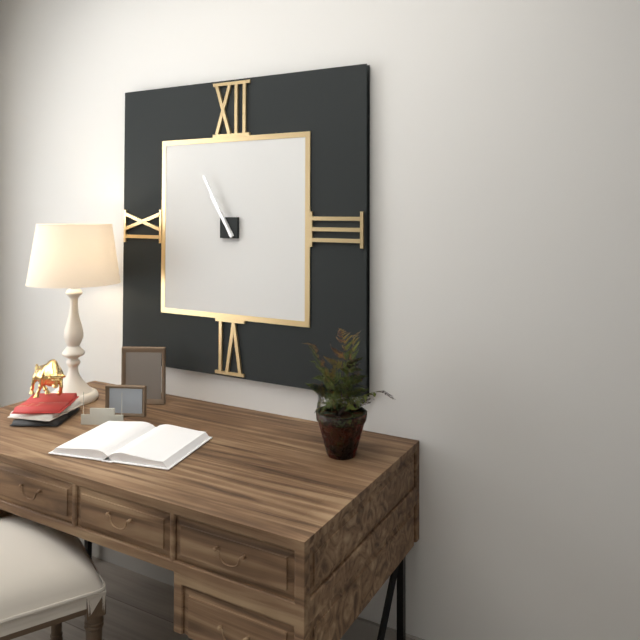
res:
h=10 m=55
